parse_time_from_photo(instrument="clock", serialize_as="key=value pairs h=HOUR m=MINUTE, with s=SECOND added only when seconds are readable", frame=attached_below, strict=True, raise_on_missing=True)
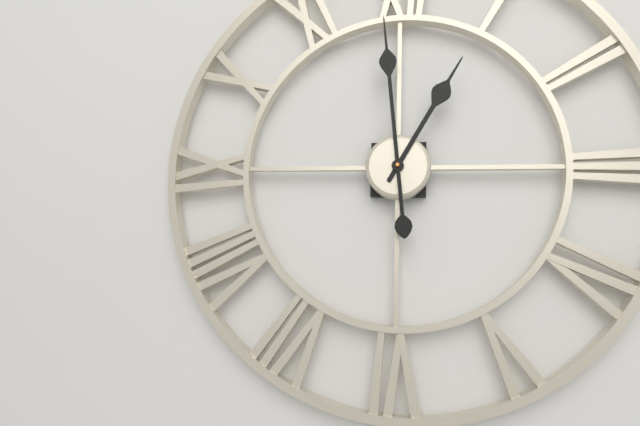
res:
h=12 m=59
